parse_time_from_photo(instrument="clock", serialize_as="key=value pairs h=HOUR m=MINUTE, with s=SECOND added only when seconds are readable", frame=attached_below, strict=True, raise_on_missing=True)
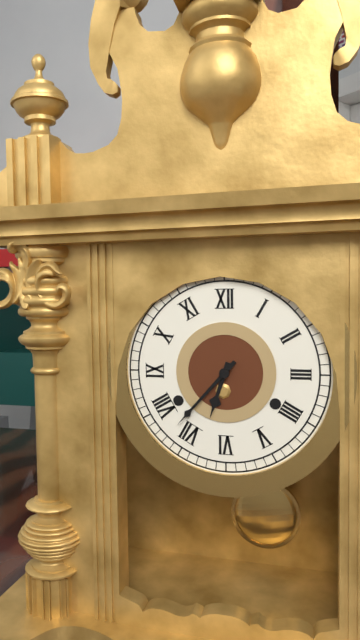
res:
h=6 m=37
